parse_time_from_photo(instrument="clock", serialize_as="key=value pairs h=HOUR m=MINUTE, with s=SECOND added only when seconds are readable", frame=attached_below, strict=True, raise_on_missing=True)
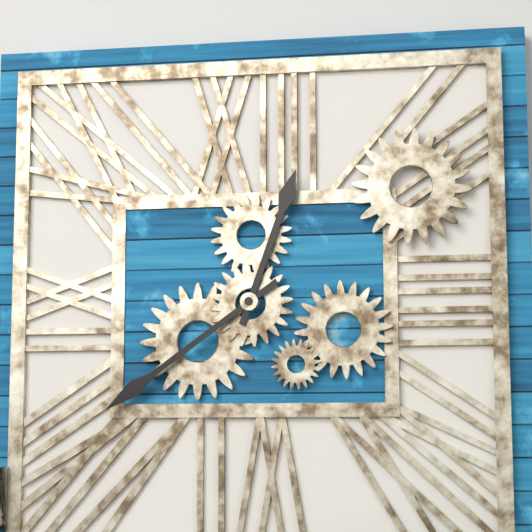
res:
h=12 m=39
